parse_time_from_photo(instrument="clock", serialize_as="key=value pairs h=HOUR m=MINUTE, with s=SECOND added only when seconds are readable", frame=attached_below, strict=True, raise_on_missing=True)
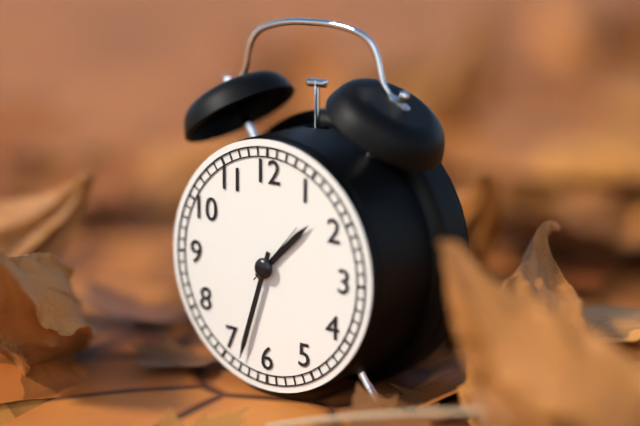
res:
h=1 m=33 s=7
